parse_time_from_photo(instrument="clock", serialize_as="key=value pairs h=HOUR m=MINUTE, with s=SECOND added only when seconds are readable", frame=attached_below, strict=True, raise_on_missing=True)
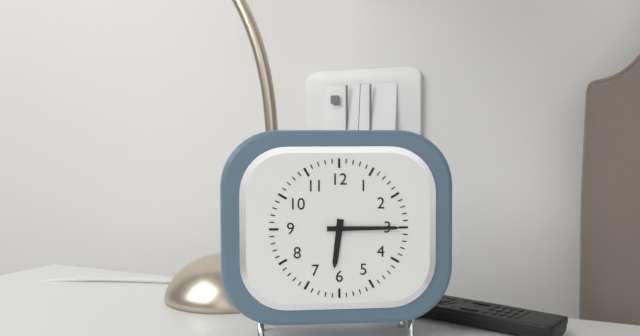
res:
h=6 m=15
